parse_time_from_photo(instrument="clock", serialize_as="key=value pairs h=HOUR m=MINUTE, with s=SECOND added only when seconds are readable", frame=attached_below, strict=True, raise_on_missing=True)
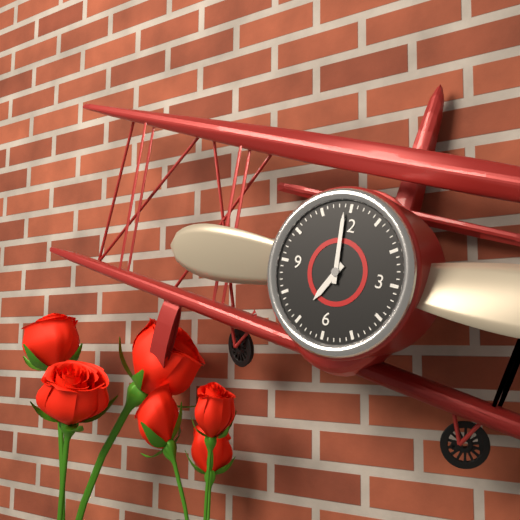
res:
h=6 m=59
